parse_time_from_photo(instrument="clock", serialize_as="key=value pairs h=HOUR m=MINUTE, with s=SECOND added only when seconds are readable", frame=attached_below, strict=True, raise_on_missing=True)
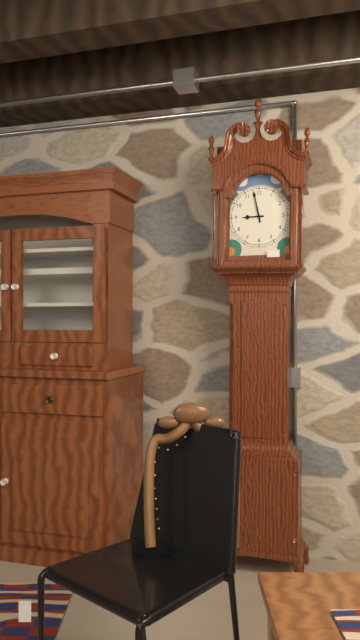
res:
h=8 m=58
